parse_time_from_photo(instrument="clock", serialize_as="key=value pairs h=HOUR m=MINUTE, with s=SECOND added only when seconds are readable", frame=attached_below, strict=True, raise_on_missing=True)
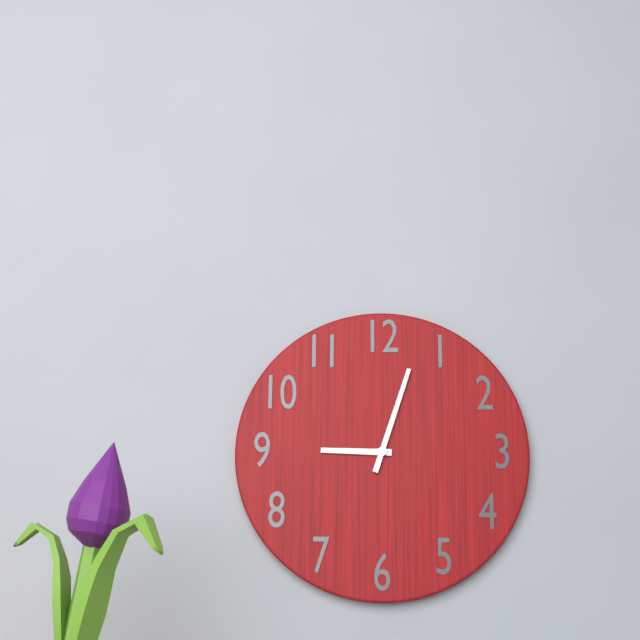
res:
h=9 m=3
